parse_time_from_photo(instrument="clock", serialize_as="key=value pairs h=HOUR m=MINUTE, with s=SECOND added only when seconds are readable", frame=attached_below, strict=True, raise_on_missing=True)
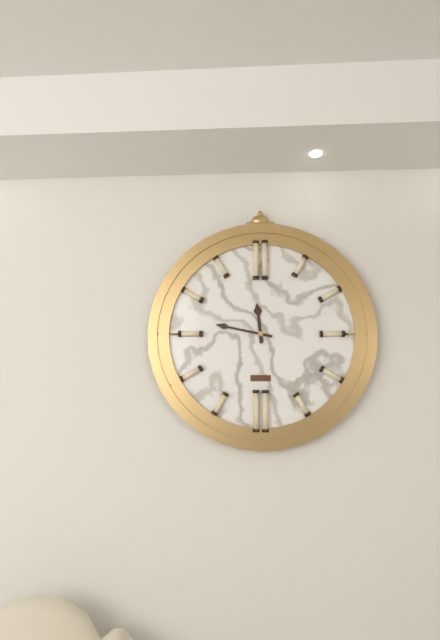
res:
h=11 m=47
